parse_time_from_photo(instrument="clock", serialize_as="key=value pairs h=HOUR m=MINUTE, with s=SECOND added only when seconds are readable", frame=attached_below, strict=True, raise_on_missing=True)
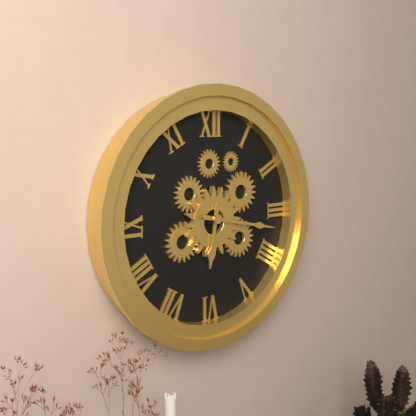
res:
h=6 m=17
